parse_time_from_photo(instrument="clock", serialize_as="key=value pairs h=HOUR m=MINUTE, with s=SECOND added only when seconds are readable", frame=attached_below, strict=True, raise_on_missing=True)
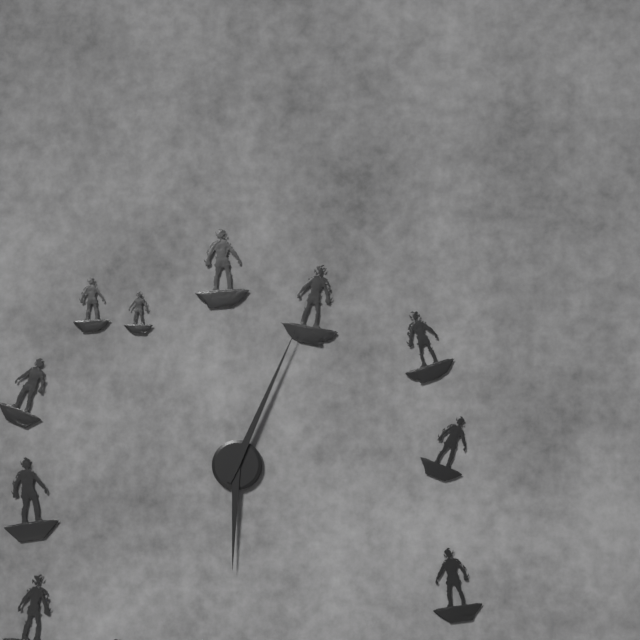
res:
h=6 m=4
